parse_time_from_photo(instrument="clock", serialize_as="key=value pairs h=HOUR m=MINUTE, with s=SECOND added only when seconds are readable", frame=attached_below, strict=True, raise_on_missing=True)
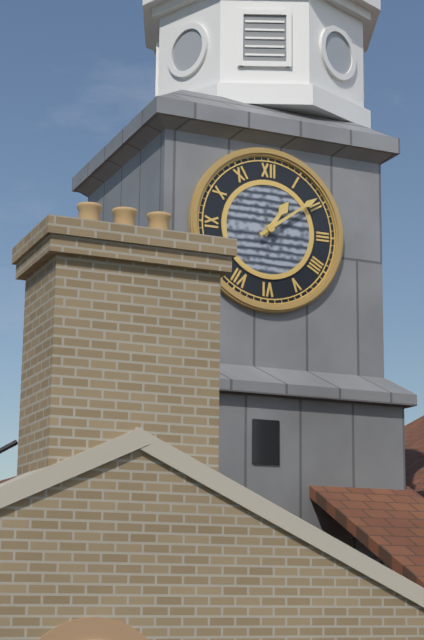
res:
h=1 m=9
